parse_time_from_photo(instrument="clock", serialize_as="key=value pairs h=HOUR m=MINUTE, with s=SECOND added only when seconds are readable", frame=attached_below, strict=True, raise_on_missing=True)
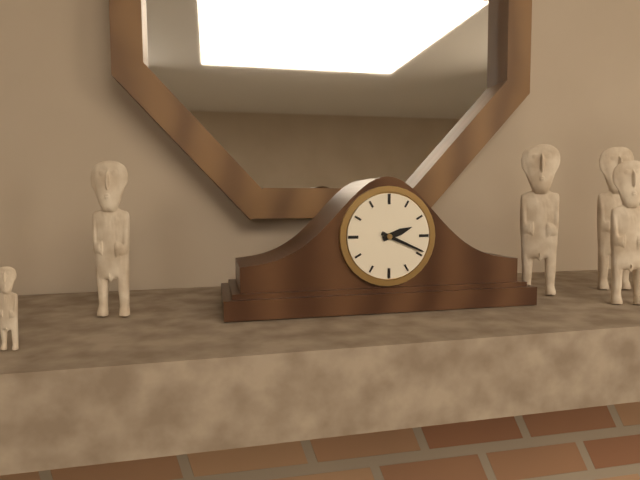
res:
h=2 m=19
